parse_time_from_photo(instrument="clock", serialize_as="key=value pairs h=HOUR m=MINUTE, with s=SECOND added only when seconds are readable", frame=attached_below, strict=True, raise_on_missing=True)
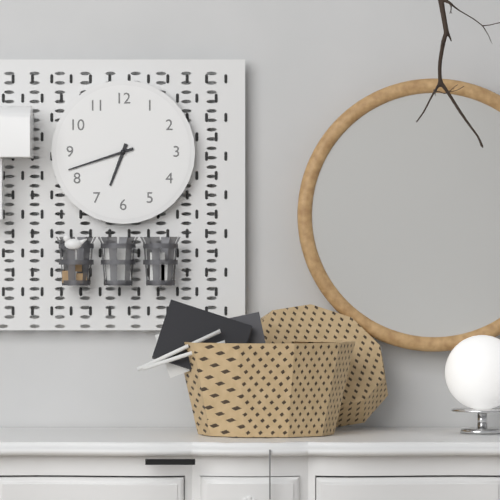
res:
h=6 m=42
